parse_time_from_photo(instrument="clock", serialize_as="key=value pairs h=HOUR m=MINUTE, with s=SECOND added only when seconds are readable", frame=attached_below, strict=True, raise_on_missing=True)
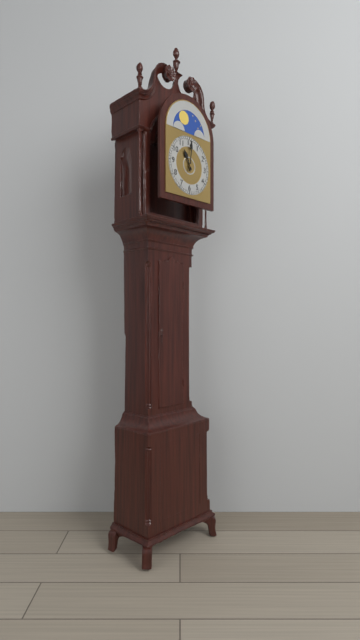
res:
h=11 m=1
